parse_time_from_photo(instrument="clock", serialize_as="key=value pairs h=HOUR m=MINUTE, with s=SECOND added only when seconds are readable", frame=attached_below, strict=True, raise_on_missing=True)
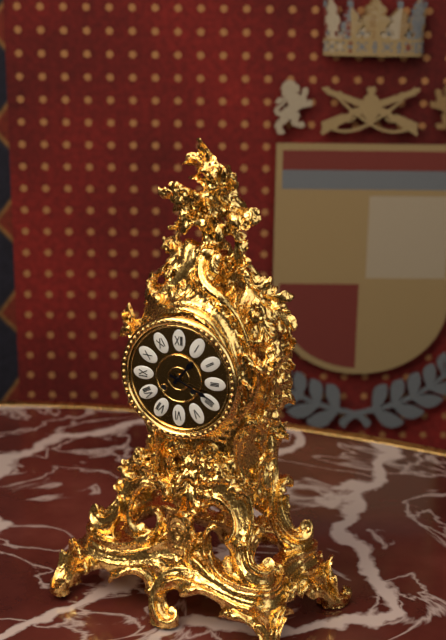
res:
h=1 m=19
